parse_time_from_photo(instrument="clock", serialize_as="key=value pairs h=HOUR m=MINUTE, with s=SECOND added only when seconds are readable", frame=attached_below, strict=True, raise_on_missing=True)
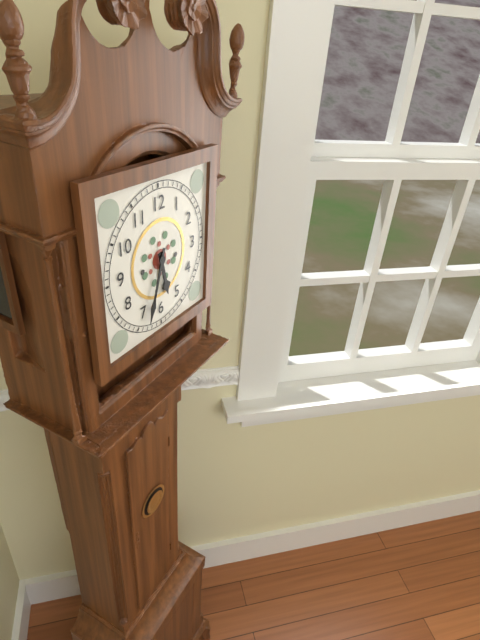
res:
h=5 m=33
